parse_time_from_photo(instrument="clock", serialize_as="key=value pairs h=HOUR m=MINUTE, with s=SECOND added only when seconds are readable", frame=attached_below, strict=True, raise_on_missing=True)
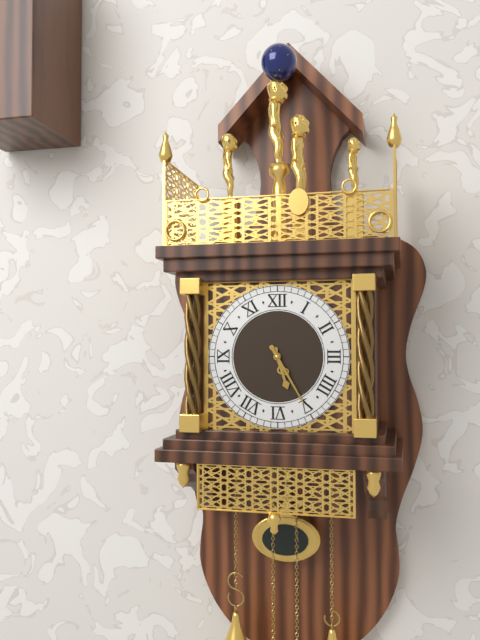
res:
h=5 m=25
